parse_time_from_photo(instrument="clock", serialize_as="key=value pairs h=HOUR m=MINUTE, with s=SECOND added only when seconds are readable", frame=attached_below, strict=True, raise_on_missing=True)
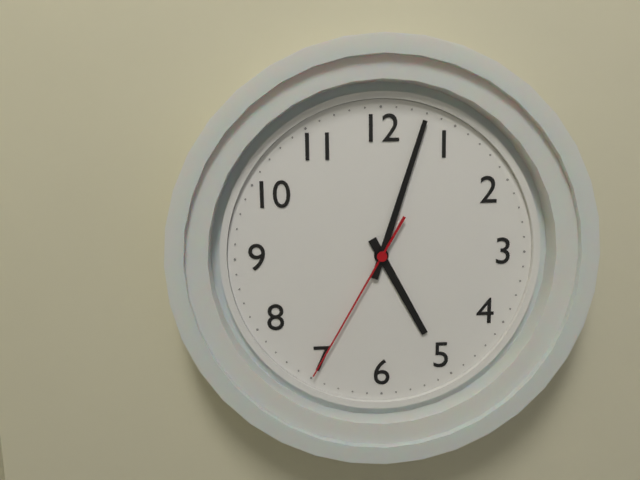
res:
h=5 m=3 s=35
